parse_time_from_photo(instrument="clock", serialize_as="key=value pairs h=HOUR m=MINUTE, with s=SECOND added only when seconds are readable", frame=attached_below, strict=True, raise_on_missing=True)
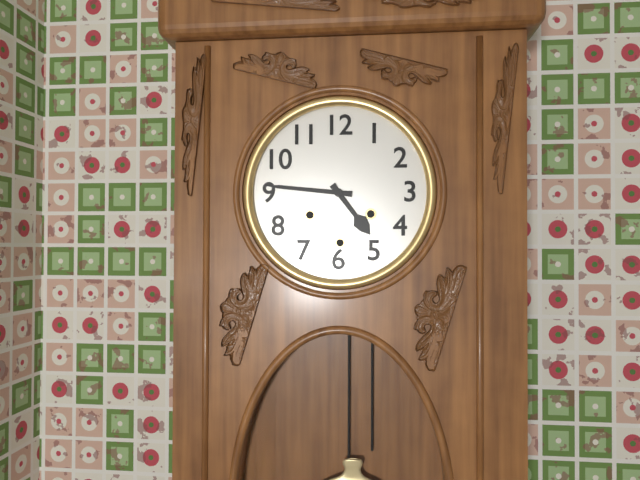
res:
h=4 m=46
